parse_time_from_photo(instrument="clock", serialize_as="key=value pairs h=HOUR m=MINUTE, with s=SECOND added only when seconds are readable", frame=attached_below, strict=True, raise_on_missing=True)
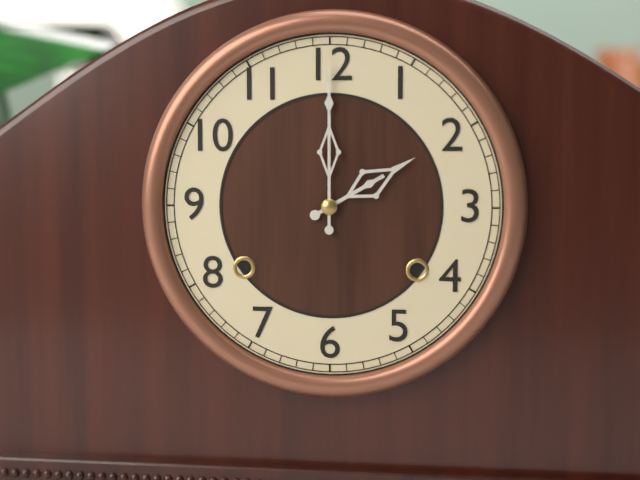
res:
h=2 m=0
